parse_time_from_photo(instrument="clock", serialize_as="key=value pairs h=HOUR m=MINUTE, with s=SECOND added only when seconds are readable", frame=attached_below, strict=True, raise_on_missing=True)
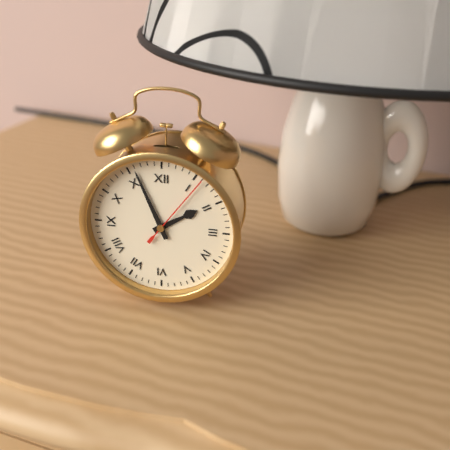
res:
h=1 m=56 s=6
